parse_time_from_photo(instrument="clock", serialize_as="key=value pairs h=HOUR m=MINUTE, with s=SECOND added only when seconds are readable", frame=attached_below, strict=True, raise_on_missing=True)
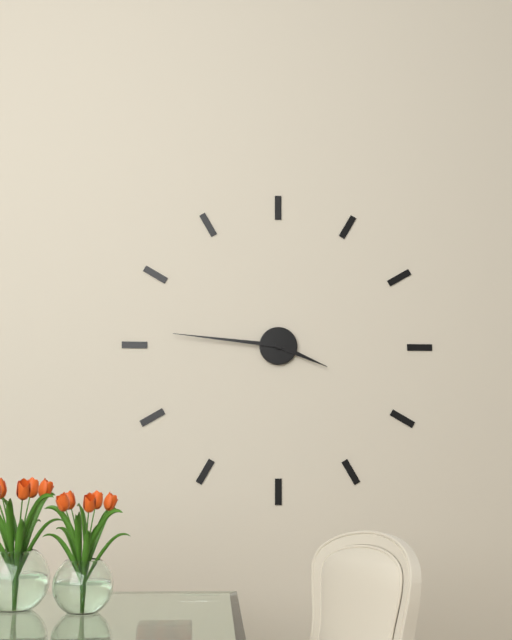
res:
h=3 m=46
